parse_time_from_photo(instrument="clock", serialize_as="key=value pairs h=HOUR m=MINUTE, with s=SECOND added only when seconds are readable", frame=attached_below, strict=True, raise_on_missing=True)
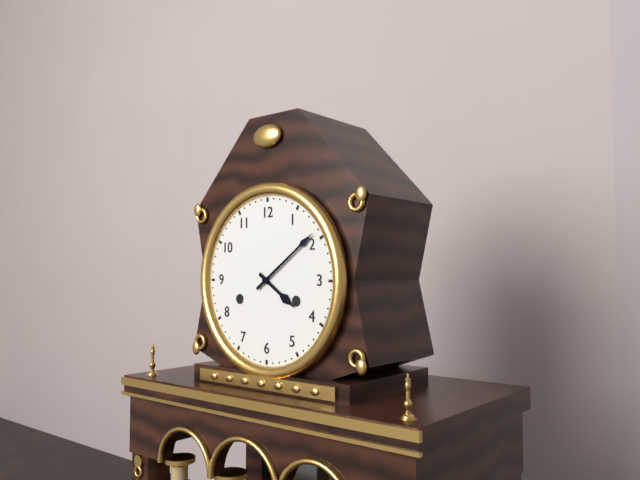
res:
h=4 m=9
